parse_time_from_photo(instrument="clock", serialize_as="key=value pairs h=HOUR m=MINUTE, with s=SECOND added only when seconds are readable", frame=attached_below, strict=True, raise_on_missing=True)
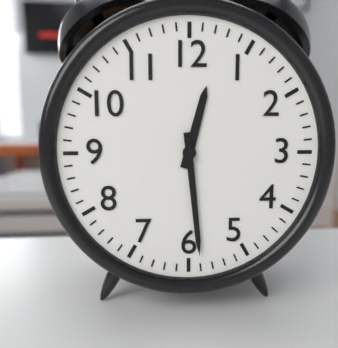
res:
h=12 m=29
